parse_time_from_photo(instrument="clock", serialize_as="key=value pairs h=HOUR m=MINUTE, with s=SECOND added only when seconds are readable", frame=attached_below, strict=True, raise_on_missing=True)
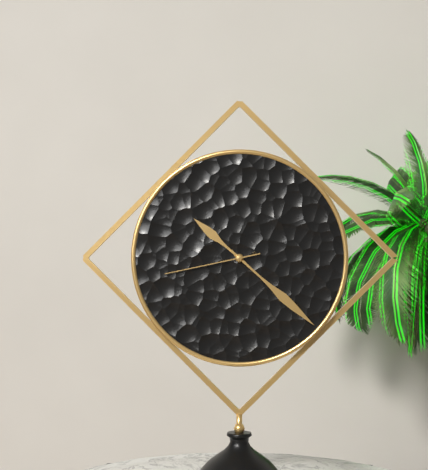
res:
h=10 m=22 s=43
